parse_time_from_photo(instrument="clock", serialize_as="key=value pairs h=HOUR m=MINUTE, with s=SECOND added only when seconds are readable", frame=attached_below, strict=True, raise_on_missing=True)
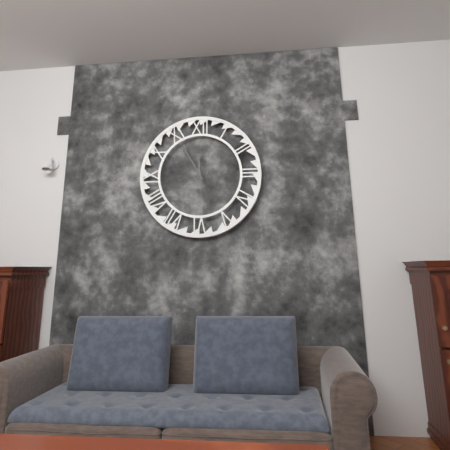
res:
h=11 m=55
